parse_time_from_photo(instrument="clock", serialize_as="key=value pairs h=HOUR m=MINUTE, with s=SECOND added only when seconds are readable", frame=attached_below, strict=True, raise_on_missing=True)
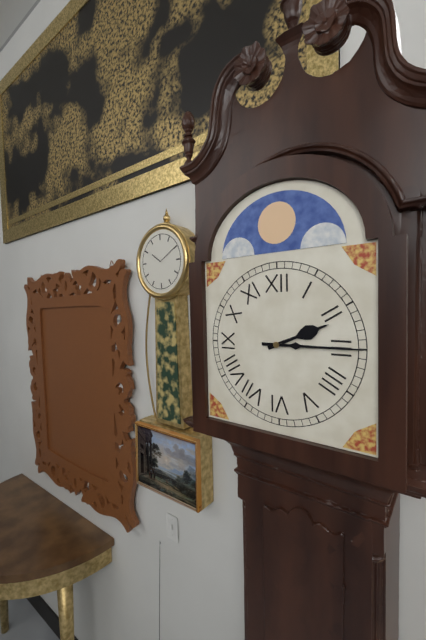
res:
h=2 m=15
